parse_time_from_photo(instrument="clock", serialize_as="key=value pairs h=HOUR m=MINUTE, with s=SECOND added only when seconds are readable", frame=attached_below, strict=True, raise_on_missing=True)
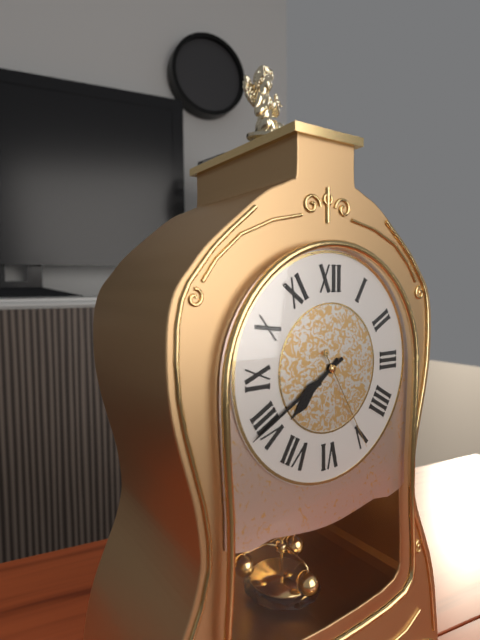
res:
h=7 m=40 s=25
